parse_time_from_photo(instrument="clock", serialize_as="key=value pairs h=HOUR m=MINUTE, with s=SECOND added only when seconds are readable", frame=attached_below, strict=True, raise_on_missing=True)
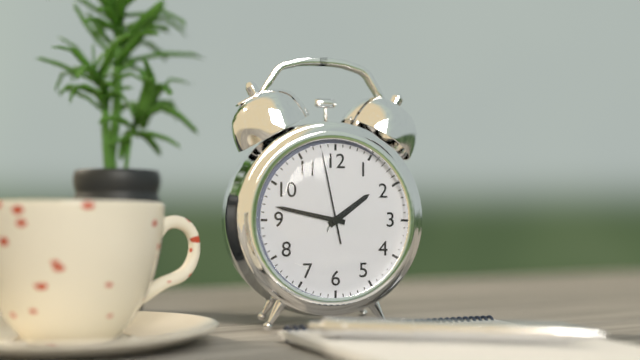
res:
h=1 m=47 s=58
